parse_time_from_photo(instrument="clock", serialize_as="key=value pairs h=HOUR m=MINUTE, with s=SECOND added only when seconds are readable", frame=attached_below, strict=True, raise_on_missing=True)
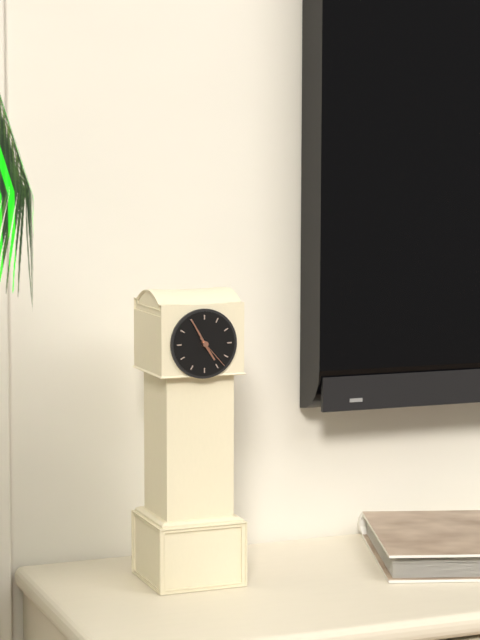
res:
h=4 m=55
